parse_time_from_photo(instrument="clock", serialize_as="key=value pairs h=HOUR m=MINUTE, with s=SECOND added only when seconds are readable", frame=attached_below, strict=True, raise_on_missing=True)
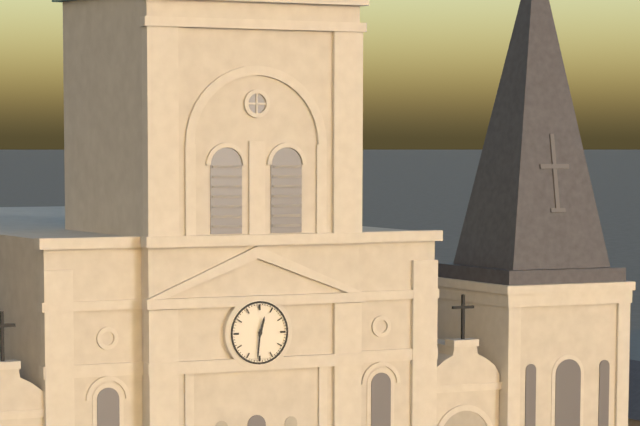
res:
h=12 m=31
